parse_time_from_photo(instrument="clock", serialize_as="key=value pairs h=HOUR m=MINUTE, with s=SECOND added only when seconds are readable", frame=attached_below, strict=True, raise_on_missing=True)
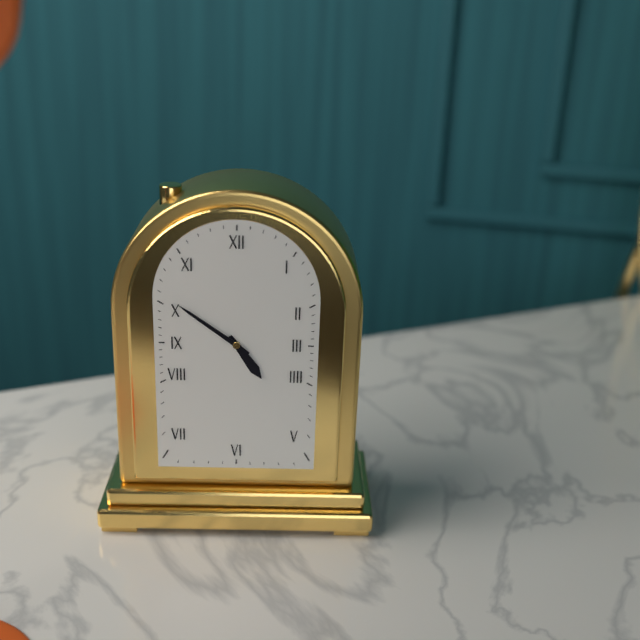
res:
h=4 m=51
